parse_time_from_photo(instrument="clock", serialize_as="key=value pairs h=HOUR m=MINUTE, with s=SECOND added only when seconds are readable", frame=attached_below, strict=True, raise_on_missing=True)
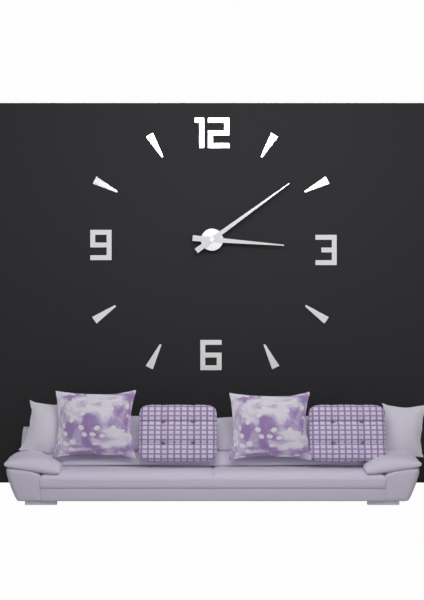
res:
h=3 m=9
